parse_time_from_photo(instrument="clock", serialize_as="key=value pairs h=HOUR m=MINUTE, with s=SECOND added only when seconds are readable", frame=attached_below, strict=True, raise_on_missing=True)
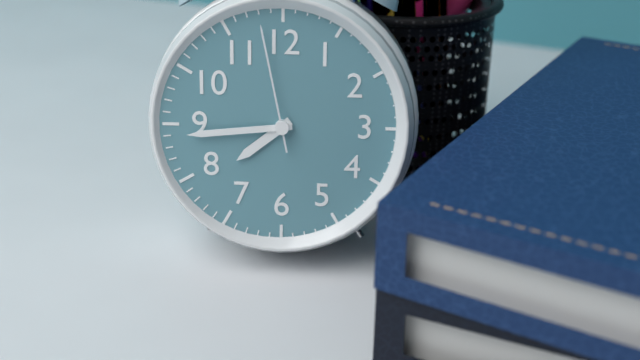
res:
h=7 m=44 s=58
